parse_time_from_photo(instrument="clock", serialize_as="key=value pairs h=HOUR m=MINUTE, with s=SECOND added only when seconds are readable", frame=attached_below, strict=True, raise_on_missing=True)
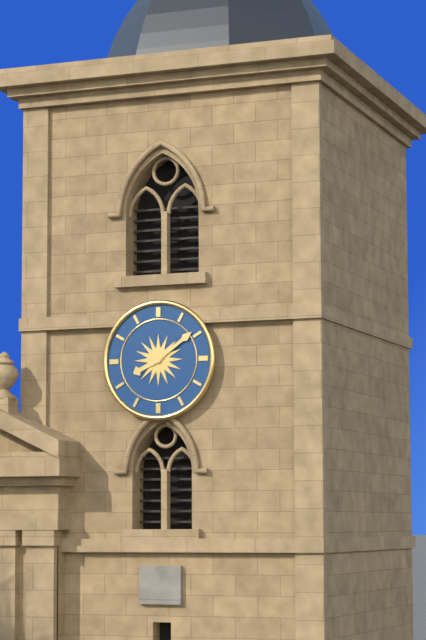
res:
h=8 m=9
